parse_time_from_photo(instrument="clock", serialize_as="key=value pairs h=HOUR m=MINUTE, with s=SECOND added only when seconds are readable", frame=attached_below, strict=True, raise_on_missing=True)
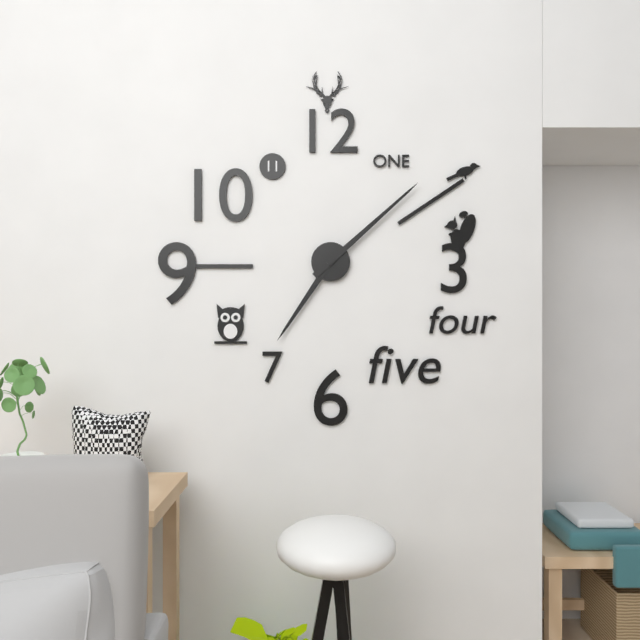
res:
h=7 m=8
